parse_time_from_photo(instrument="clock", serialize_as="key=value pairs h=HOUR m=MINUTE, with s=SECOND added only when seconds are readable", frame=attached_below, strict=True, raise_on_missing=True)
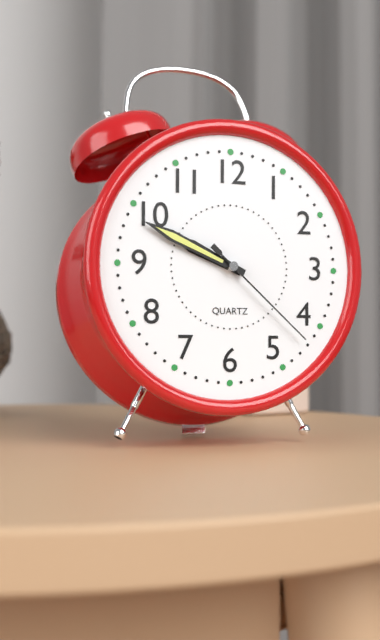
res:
h=9 m=49 s=22
